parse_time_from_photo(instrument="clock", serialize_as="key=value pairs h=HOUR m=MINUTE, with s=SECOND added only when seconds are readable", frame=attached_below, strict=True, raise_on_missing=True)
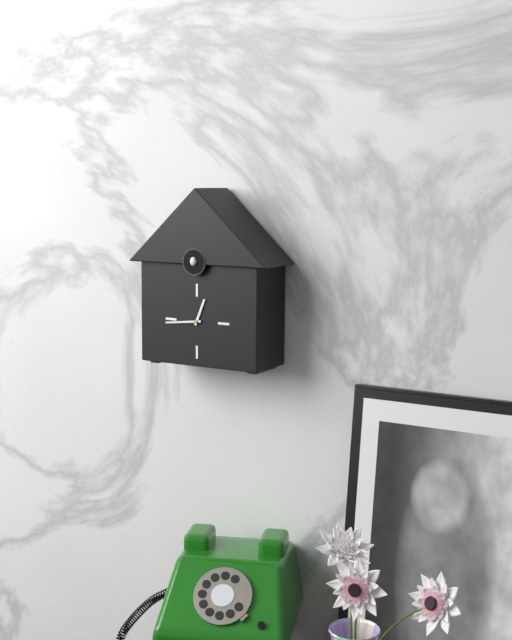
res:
h=12 m=44
